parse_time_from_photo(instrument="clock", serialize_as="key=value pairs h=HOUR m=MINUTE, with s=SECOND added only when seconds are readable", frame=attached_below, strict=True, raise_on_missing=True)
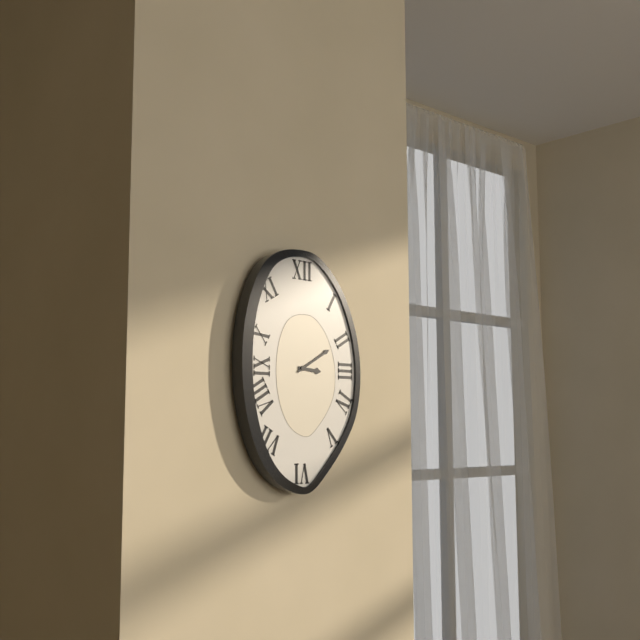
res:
h=3 m=10
